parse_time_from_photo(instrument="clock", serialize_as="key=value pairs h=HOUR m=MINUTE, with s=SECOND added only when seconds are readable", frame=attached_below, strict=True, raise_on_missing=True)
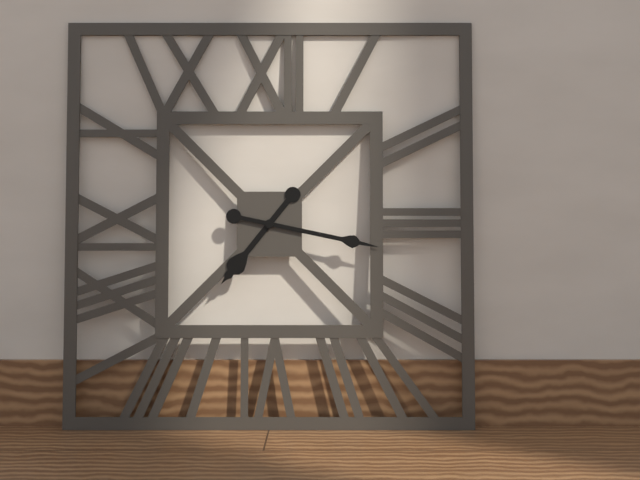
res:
h=7 m=17
